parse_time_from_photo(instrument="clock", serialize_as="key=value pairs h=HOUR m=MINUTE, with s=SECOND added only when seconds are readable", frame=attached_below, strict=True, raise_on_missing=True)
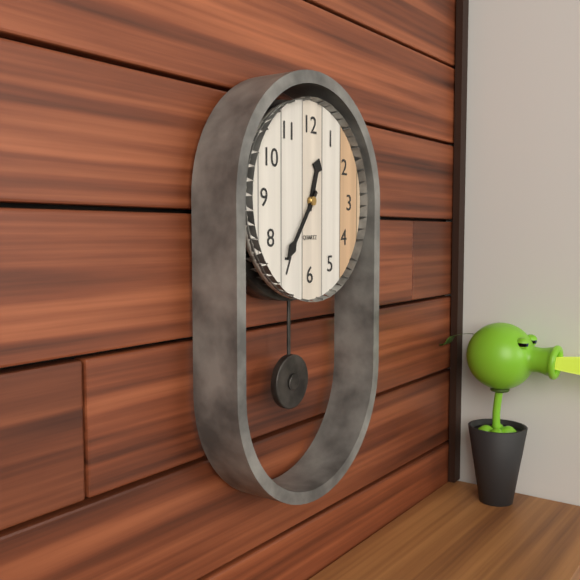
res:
h=12 m=36
